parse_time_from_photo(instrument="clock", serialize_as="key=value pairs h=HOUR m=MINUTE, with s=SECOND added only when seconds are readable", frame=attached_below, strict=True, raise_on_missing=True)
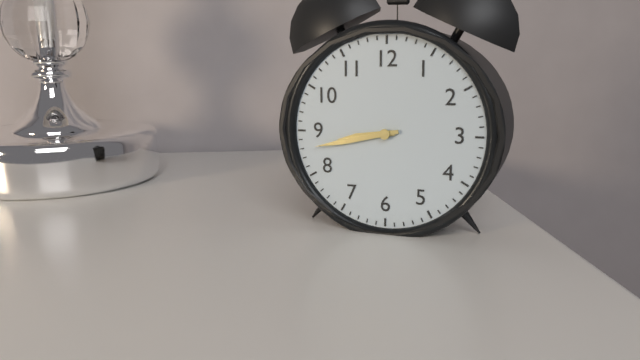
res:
h=8 m=43
